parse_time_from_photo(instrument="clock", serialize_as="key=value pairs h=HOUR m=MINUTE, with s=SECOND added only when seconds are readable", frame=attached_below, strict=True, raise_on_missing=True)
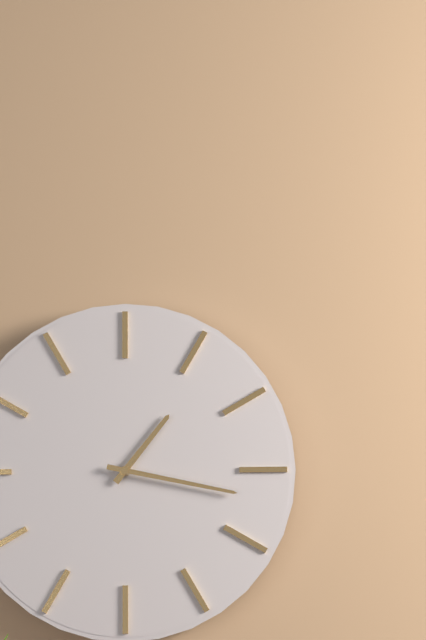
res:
h=1 m=17
